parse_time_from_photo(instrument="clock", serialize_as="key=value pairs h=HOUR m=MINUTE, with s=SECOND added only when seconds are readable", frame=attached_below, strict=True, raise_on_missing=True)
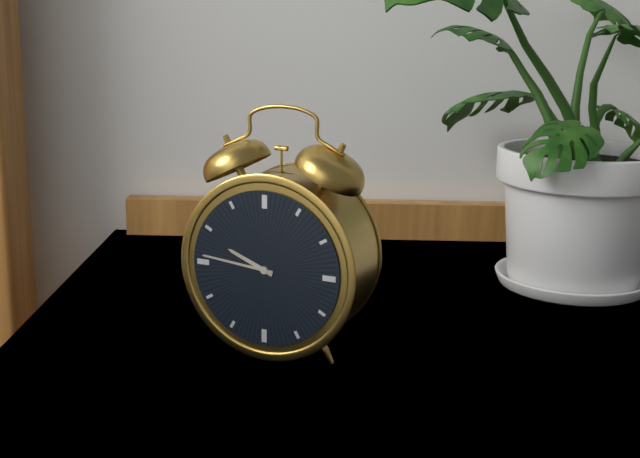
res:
h=9 m=46
